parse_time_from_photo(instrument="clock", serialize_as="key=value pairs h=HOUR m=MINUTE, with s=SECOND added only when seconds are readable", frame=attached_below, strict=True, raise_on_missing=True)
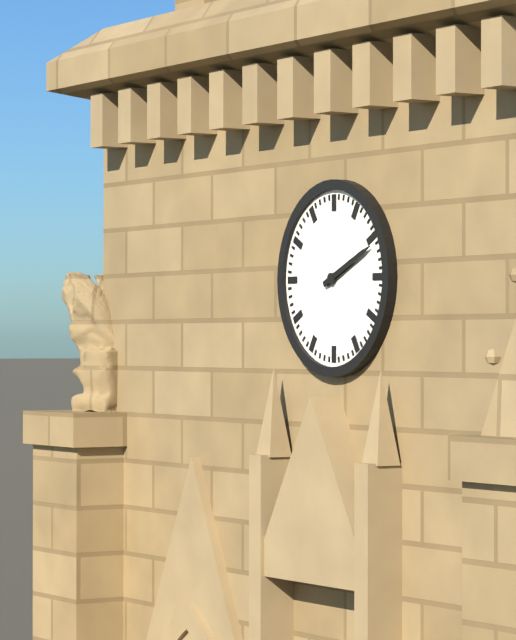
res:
h=2 m=11
